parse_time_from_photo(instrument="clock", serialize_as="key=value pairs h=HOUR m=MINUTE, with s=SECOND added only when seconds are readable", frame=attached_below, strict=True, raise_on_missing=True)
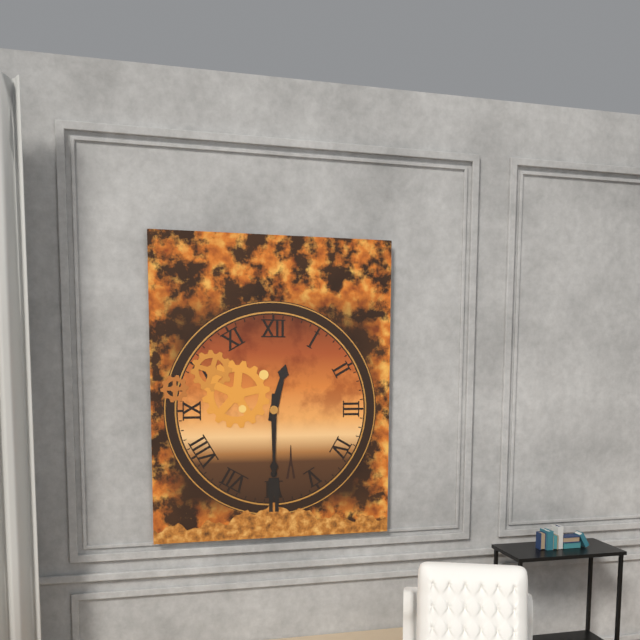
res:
h=12 m=30
